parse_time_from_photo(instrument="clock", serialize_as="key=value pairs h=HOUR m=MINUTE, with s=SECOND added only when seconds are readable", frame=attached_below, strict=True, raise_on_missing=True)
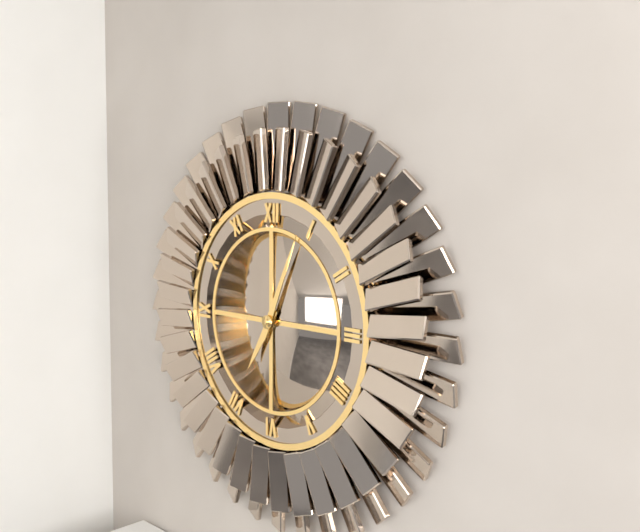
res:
h=7 m=4
